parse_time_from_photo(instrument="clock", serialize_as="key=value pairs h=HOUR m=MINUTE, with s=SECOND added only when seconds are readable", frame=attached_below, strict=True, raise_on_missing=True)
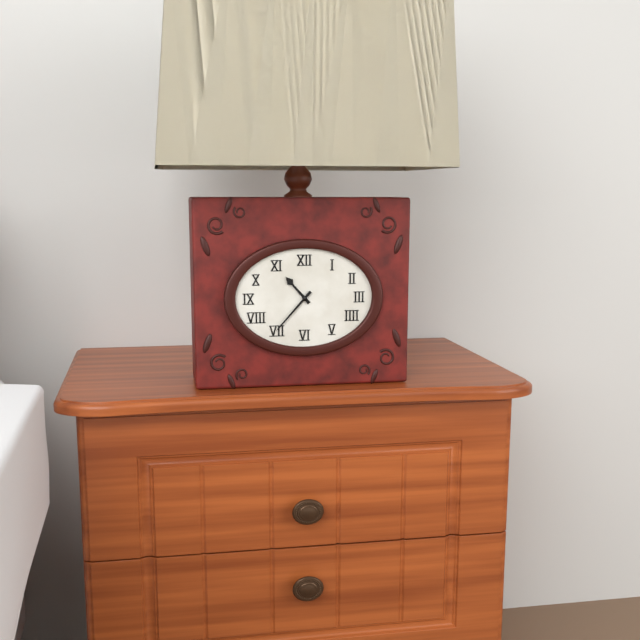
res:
h=10 m=37
